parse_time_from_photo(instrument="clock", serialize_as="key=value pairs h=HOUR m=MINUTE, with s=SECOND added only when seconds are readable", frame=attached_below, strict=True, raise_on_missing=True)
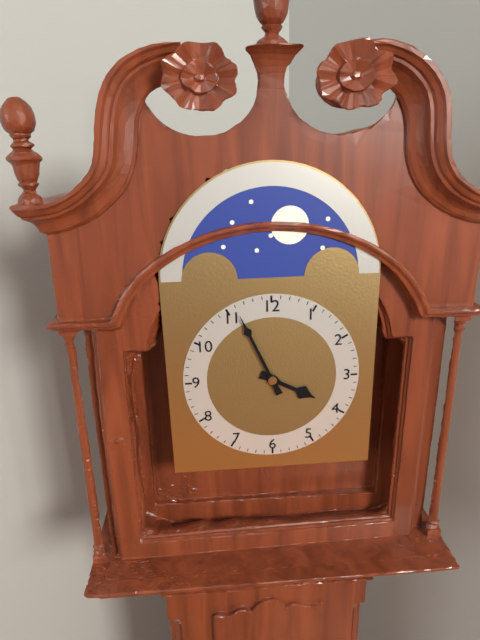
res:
h=3 m=56
